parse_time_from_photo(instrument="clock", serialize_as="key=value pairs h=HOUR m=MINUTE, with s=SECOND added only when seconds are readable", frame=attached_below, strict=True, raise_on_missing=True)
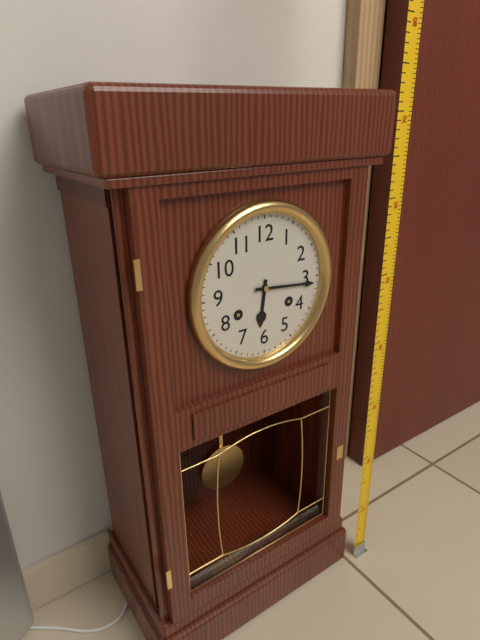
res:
h=6 m=16
